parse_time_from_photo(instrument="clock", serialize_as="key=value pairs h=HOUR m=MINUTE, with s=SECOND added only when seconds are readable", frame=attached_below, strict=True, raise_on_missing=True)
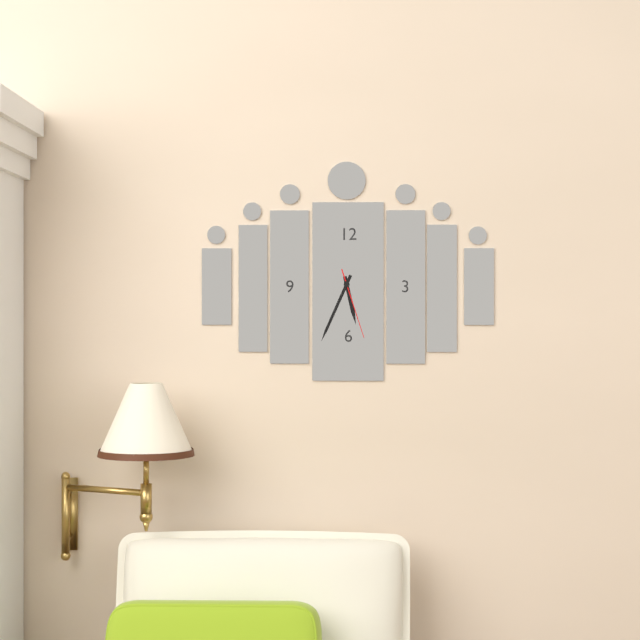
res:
h=5 m=34 s=27
